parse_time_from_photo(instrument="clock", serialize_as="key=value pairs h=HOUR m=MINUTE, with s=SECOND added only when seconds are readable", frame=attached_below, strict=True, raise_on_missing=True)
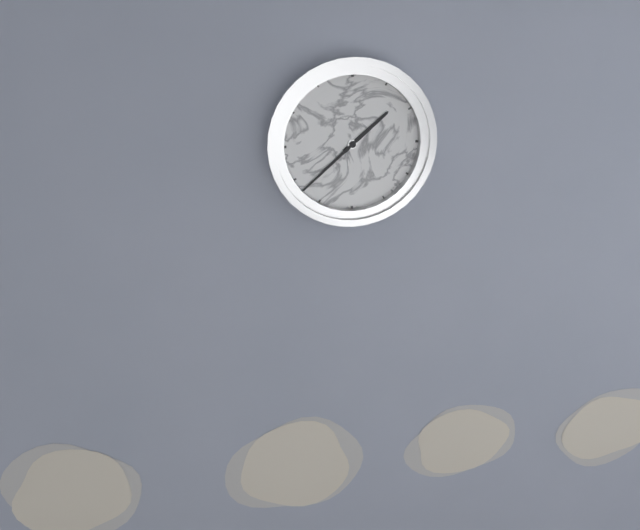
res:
h=1 m=38
